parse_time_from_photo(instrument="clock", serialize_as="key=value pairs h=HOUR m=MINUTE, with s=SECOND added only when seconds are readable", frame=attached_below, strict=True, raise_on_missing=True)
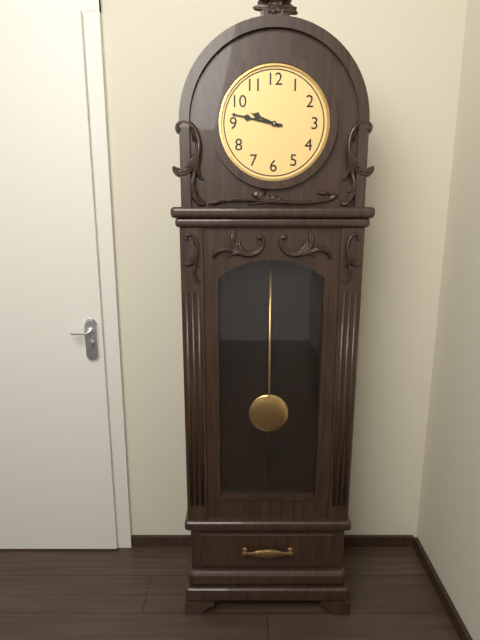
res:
h=9 m=47
